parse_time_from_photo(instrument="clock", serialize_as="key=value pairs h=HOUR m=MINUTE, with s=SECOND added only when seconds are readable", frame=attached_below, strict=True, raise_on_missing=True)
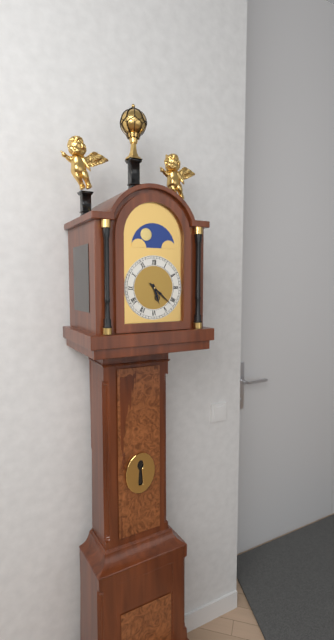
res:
h=5 m=22
